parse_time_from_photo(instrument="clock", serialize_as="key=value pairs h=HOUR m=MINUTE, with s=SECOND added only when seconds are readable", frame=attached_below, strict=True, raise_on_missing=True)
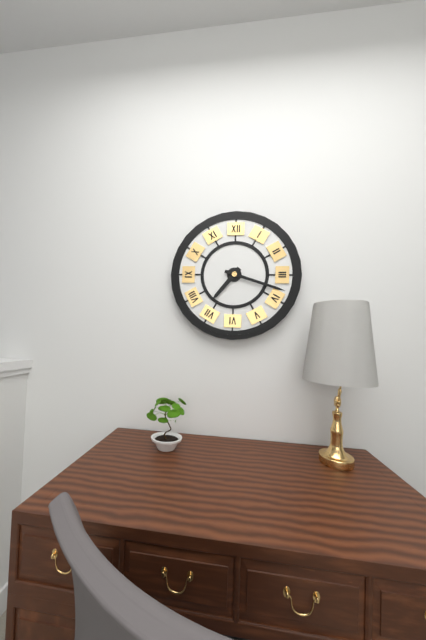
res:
h=7 m=18
